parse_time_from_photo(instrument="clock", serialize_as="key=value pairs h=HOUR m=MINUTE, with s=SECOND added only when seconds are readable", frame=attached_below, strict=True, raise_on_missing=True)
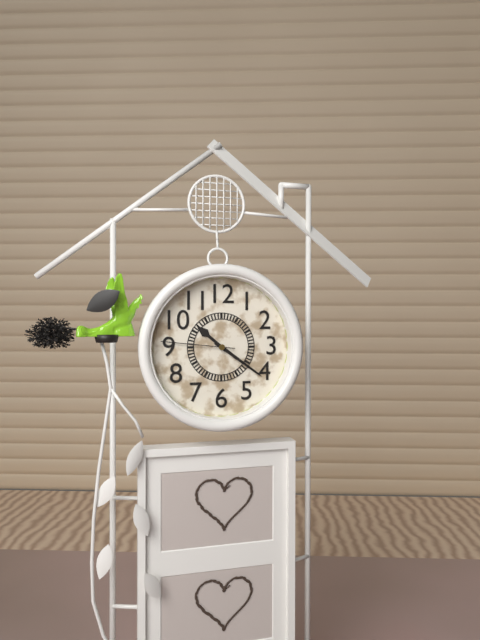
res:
h=10 m=21 s=46
